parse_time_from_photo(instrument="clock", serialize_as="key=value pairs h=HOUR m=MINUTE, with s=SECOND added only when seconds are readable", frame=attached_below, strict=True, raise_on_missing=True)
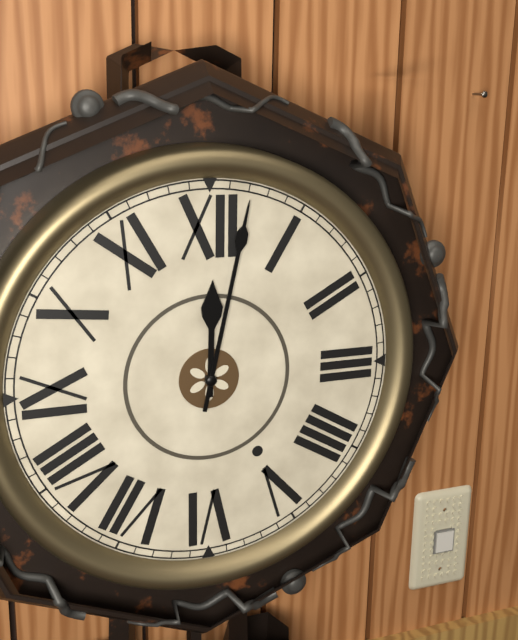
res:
h=12 m=2
